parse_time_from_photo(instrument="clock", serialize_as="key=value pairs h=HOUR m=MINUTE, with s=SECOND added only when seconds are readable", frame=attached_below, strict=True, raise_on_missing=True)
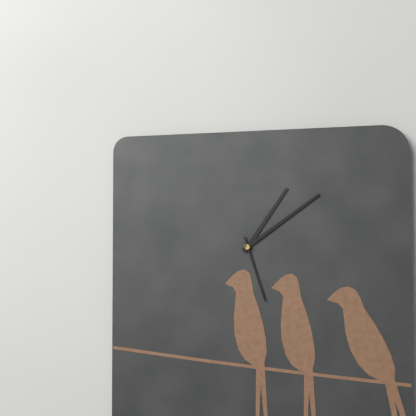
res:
h=1 m=9 s=27
